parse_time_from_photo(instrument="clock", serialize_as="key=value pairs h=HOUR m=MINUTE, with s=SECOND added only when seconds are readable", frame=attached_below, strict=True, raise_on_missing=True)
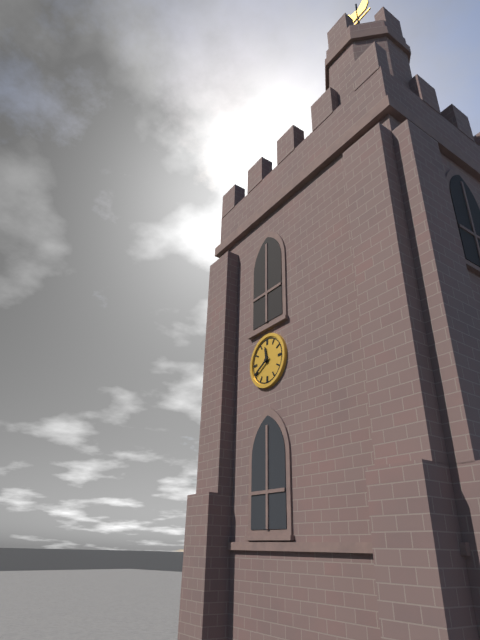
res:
h=11 m=40
